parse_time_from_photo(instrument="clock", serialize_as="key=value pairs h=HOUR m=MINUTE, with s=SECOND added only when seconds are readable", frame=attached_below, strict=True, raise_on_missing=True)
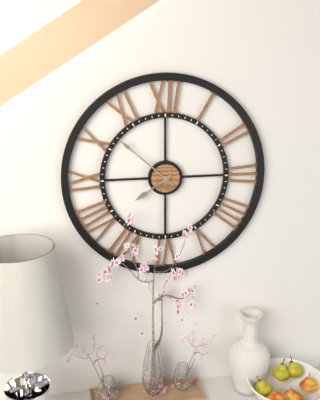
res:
h=7 m=52
